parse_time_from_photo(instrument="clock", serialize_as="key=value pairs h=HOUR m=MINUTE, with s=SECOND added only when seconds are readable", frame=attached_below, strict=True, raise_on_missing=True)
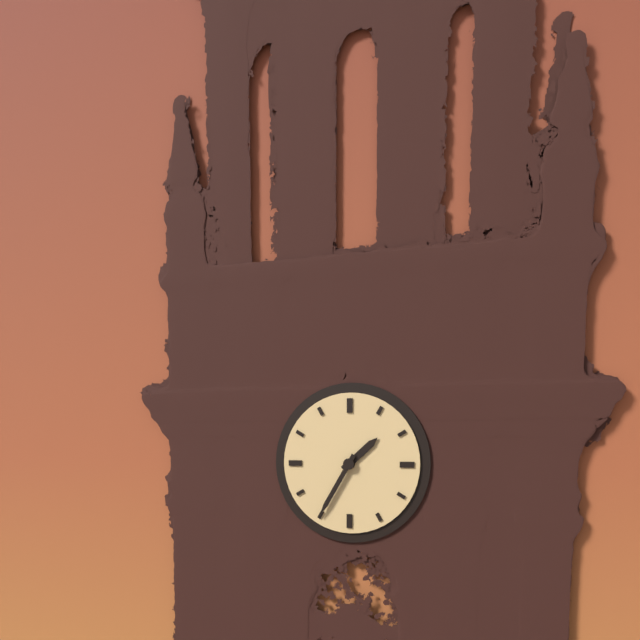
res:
h=1 m=35
